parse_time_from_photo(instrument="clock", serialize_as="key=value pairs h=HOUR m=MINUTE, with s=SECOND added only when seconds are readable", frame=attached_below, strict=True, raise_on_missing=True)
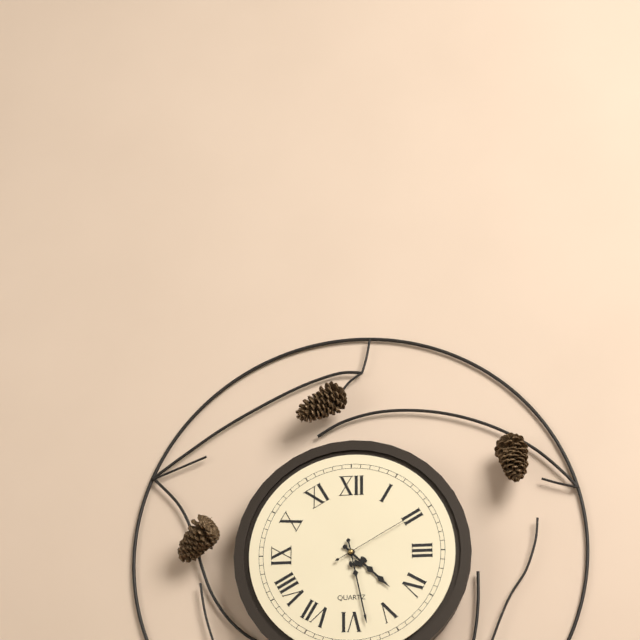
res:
h=4 m=28 s=10
